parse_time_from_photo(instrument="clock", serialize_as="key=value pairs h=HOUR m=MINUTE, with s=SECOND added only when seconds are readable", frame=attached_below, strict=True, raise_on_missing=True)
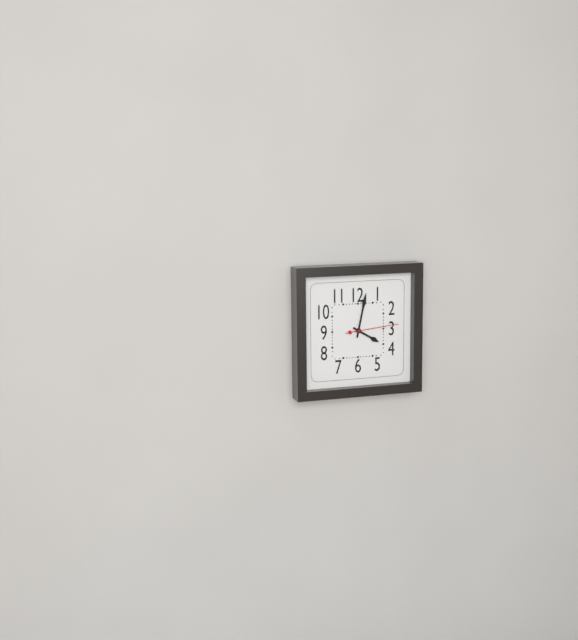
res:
h=4 m=2 s=14
